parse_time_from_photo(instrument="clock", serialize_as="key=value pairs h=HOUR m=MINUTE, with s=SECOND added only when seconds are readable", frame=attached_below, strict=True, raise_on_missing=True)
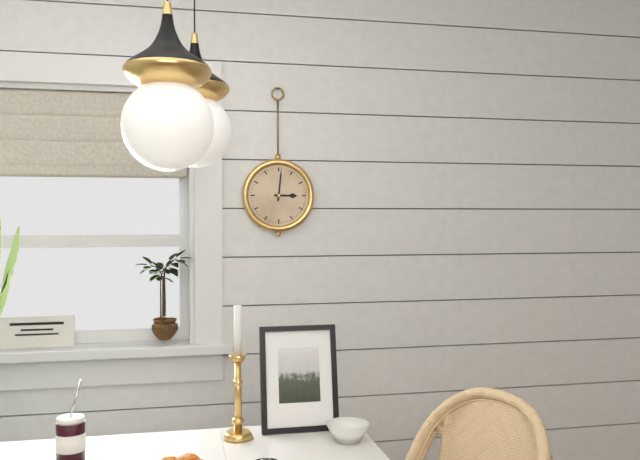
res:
h=3 m=1
